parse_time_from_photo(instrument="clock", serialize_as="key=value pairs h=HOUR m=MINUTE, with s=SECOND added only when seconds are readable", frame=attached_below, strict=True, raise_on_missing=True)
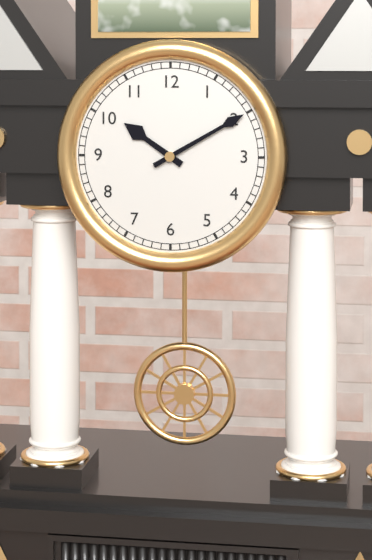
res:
h=10 m=10
